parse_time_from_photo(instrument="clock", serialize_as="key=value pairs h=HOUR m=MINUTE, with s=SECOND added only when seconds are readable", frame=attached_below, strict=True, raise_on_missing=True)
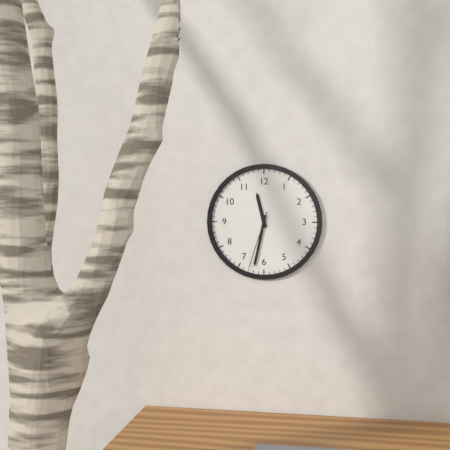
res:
h=11 m=32 s=33
